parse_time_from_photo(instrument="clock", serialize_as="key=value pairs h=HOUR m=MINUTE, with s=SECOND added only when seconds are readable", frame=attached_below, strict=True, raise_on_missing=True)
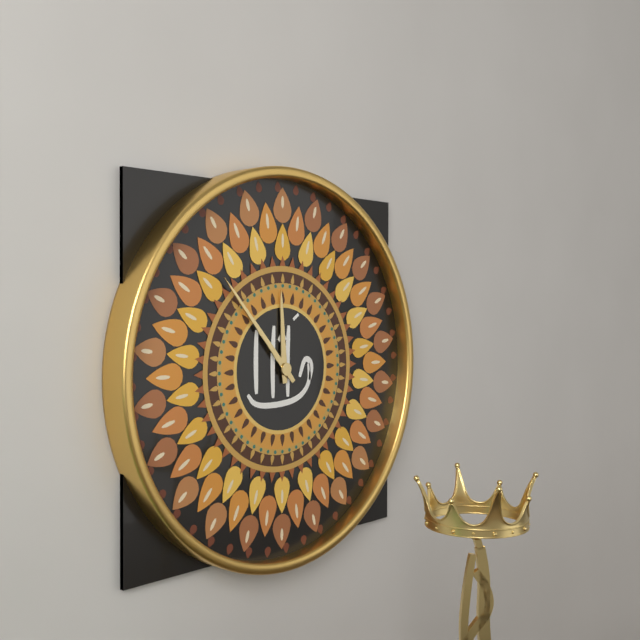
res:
h=11 m=53
